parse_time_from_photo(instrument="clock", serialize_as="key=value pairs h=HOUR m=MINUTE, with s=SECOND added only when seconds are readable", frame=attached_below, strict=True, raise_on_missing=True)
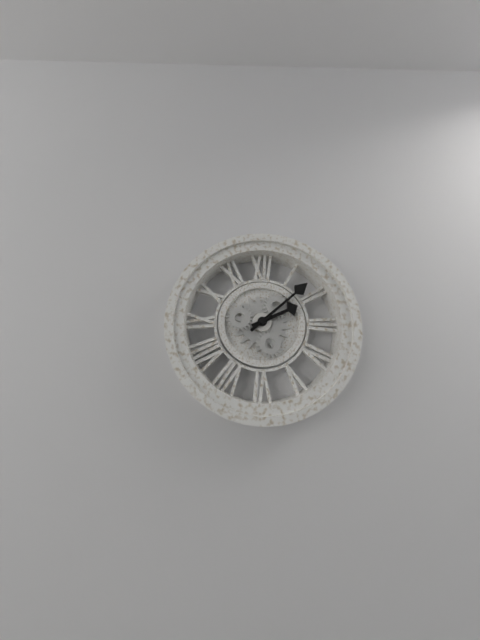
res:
h=2 m=8
